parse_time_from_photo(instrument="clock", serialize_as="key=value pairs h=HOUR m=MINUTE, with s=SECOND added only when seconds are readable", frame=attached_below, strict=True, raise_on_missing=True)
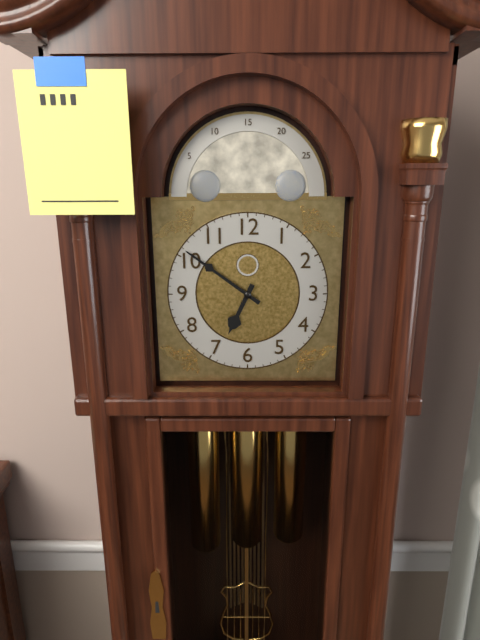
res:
h=6 m=51
